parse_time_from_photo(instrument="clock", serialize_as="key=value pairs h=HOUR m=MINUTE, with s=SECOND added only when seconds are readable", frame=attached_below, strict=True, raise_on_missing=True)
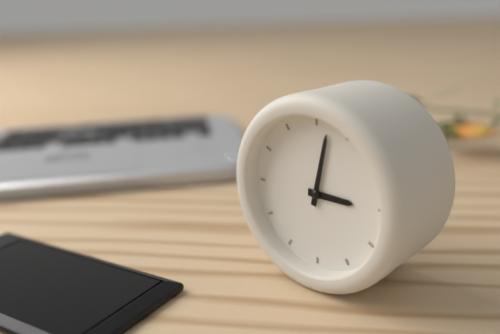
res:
h=3 m=2
